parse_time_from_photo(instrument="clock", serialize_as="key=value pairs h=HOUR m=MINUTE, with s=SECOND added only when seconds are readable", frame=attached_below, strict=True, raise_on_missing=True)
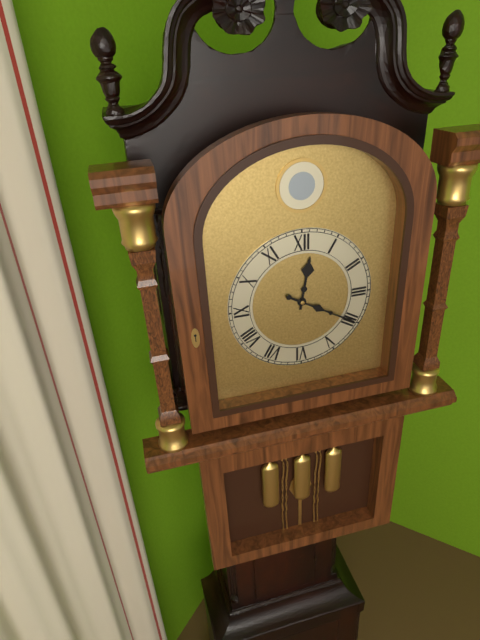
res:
h=12 m=20
